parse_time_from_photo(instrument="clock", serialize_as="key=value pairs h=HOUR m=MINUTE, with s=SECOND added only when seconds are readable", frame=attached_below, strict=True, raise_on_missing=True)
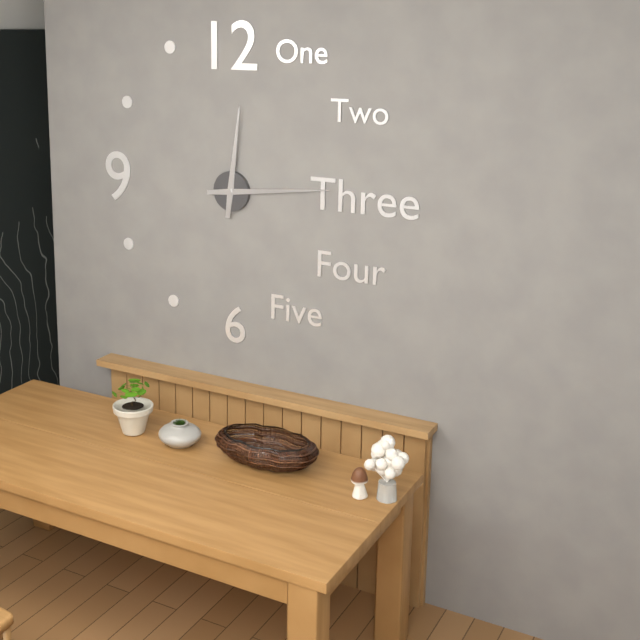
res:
h=12 m=14
